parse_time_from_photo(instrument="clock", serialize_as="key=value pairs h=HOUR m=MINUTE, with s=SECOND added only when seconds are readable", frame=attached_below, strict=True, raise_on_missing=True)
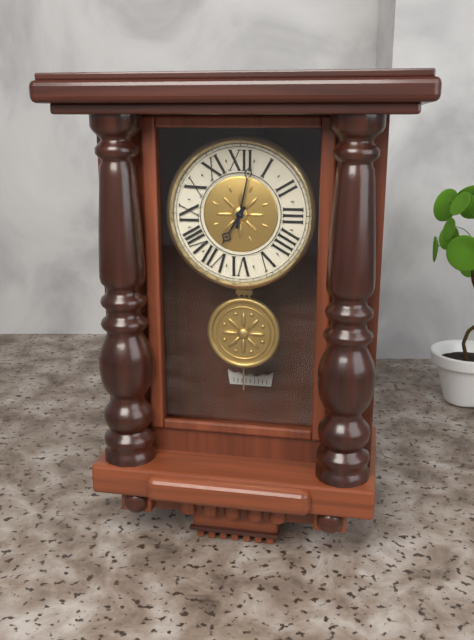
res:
h=7 m=2
